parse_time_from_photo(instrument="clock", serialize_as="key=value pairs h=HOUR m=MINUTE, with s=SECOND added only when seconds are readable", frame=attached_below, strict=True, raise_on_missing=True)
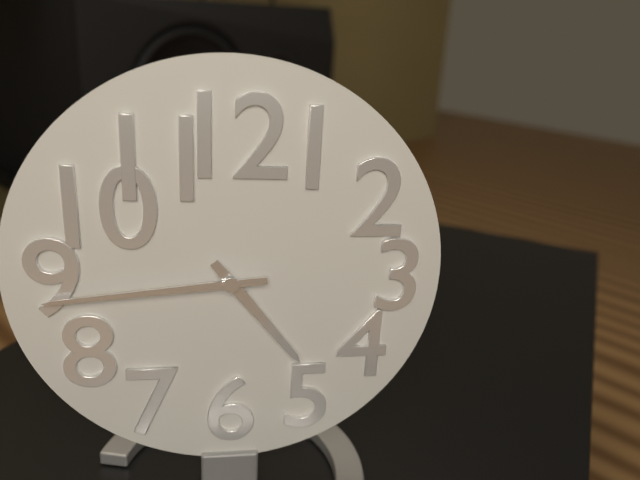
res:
h=4 m=44
